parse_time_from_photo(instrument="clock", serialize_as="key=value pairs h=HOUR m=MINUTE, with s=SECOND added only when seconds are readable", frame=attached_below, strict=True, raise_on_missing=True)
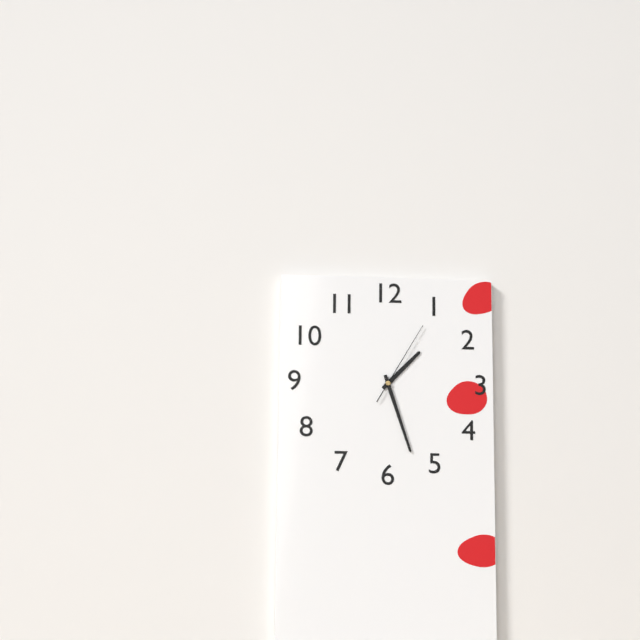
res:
h=1 m=27 s=5
